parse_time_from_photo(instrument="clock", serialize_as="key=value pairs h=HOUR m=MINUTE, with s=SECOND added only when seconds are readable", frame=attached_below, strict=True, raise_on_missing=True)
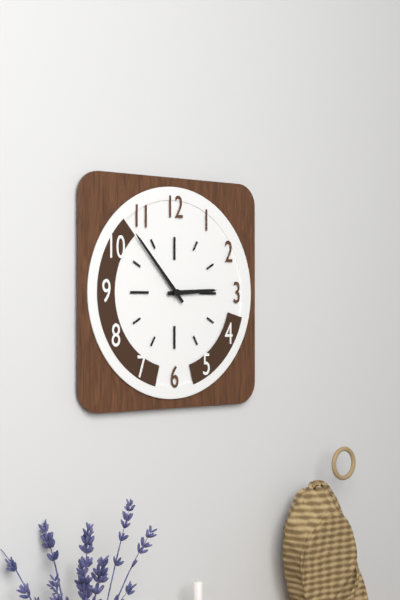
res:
h=2 m=53
